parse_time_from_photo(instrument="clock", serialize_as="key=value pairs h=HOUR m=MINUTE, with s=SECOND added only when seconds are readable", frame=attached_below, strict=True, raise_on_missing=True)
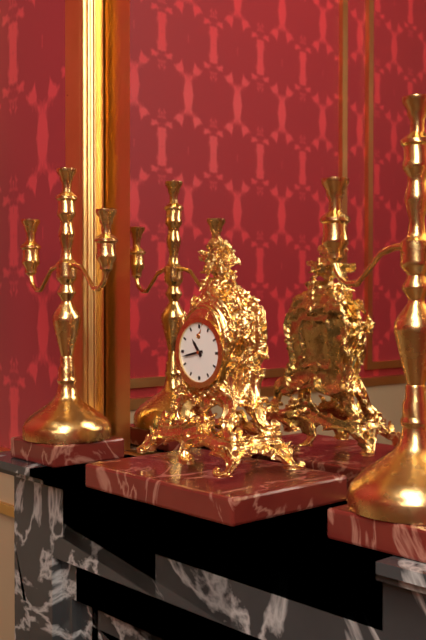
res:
h=10 m=43
